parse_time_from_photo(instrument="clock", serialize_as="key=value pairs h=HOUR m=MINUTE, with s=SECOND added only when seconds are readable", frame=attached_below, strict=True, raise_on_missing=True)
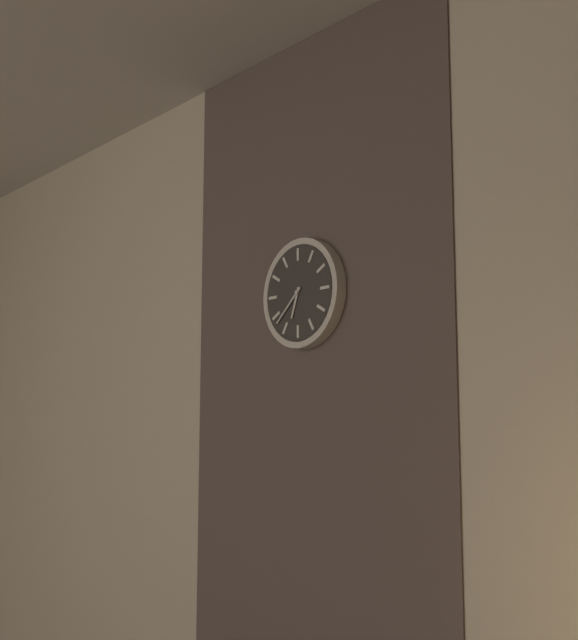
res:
h=6 m=38
